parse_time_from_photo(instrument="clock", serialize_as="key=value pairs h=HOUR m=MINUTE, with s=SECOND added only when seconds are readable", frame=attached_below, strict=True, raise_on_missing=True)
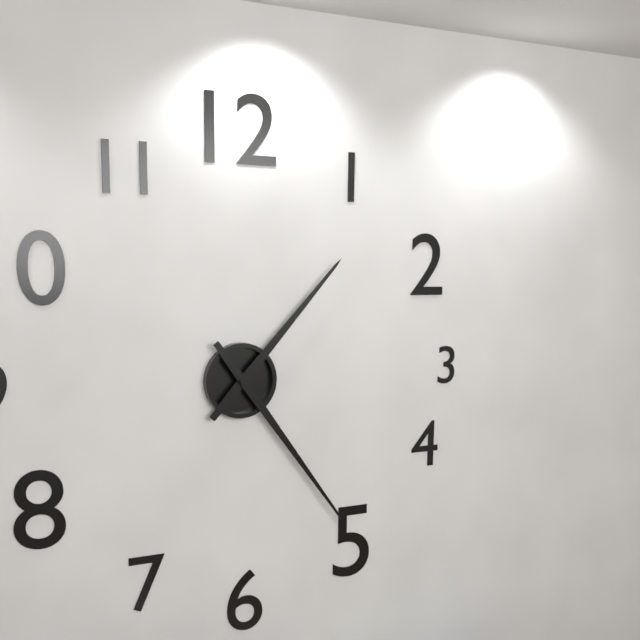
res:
h=1 m=24
